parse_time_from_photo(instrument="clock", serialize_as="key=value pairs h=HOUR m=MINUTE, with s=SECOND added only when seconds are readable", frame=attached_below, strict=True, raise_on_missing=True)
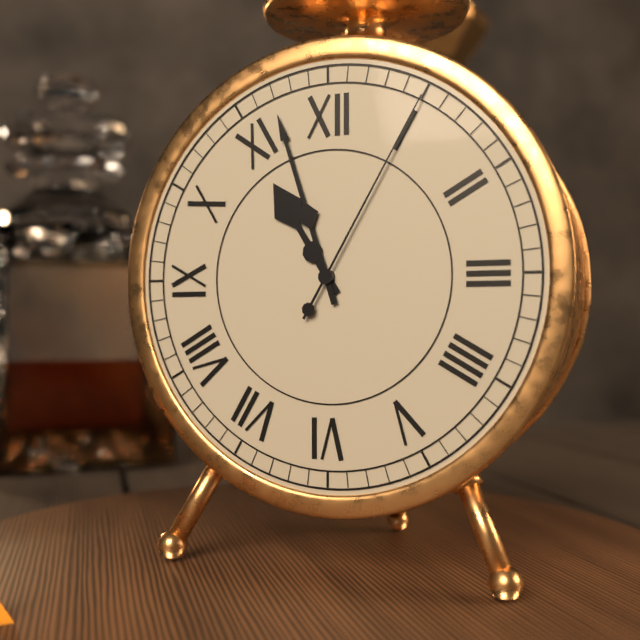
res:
h=10 m=57 s=5
